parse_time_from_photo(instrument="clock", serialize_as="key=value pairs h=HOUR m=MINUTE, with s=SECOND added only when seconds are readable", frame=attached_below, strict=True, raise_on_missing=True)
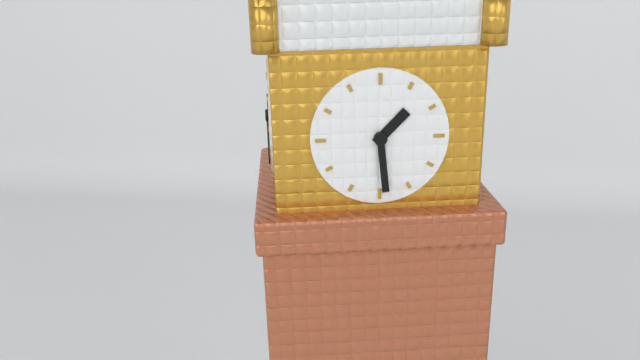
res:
h=1 m=29
